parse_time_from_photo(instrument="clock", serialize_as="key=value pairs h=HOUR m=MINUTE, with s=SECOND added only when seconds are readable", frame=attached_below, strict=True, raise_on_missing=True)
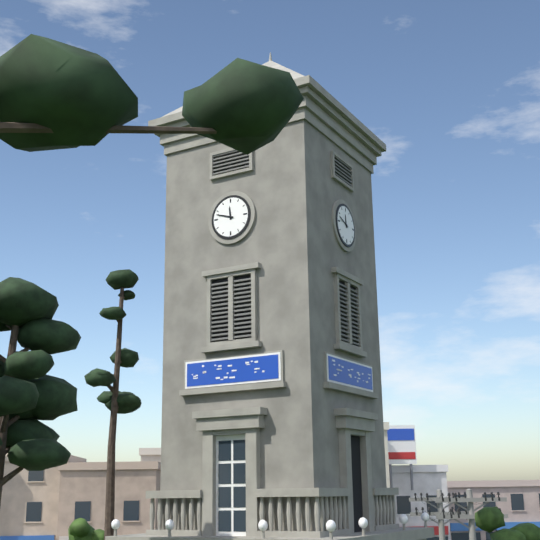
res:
h=11 m=48
